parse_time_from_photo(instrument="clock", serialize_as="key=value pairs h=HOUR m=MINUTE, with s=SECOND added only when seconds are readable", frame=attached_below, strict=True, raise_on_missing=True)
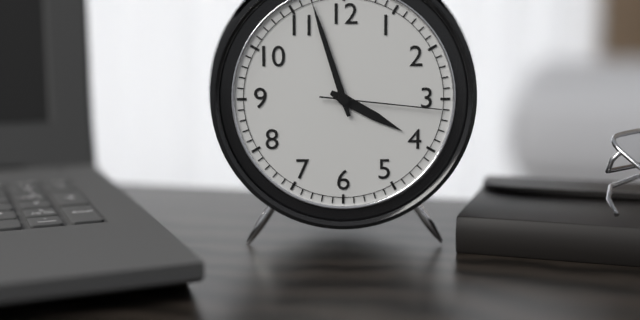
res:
h=3 m=57 s=16
